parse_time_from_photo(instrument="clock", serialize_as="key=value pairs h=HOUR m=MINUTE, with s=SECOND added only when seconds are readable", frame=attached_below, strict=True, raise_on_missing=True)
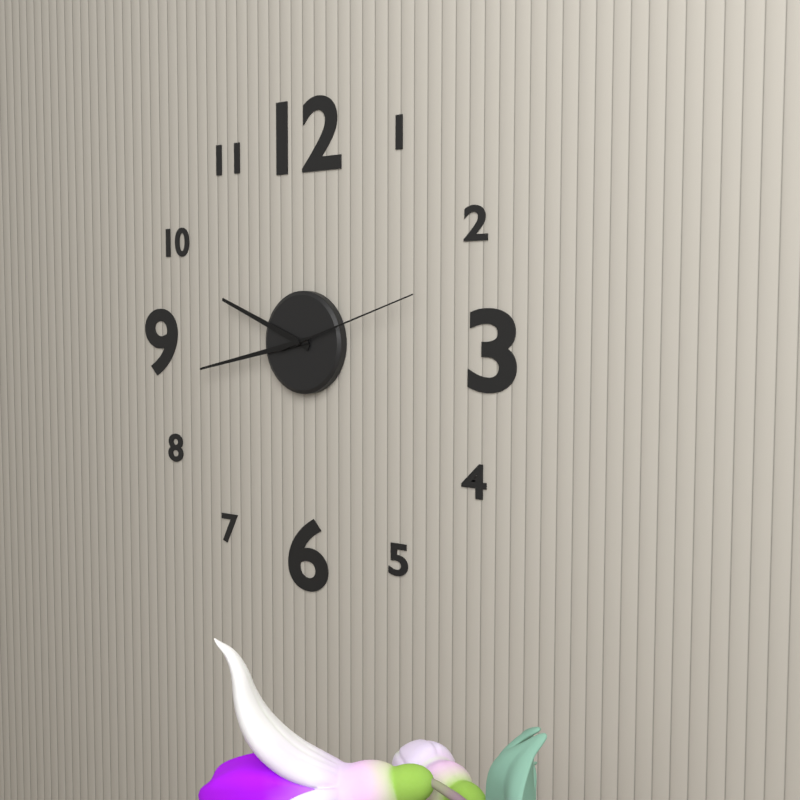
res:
h=9 m=43 s=12
